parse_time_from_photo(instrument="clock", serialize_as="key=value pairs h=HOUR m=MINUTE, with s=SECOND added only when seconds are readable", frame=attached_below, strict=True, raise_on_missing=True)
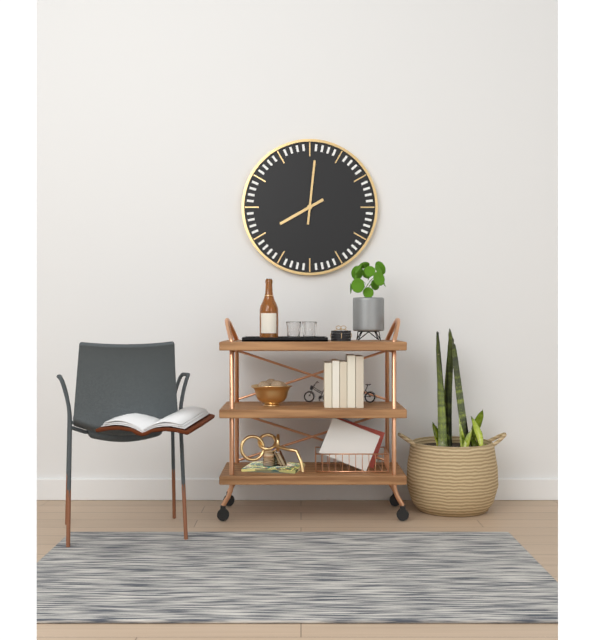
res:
h=8 m=1
